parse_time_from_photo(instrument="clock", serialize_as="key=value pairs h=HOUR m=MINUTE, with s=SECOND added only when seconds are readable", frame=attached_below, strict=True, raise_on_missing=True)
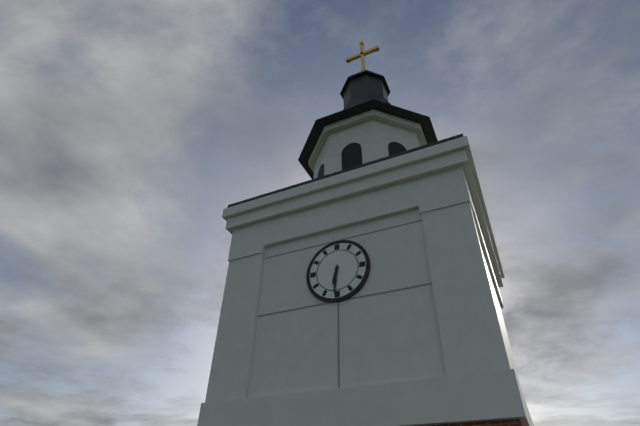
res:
h=6 m=31
